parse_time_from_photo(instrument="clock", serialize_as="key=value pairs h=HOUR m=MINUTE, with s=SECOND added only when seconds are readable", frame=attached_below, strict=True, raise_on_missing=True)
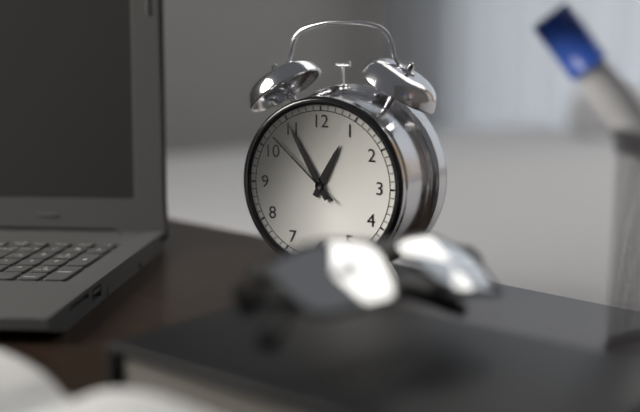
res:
h=12 m=55 s=52
